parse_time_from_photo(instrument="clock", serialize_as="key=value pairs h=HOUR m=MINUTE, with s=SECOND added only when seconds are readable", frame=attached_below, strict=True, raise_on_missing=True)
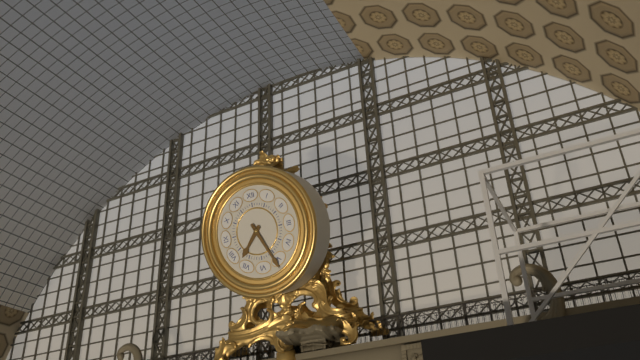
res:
h=7 m=26
